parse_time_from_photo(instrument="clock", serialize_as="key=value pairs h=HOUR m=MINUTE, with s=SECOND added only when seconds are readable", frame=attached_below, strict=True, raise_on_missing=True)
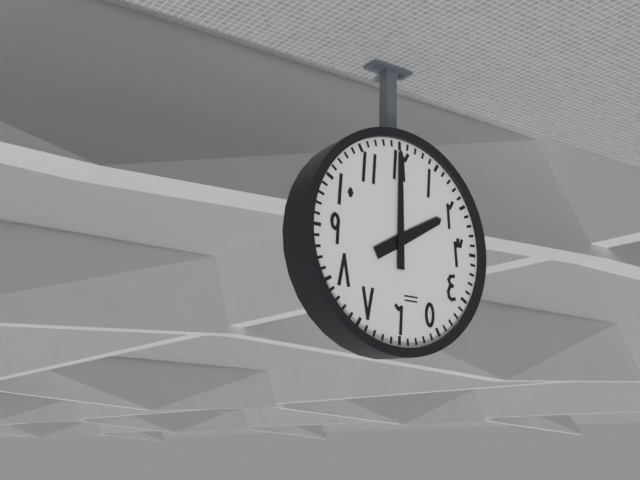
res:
h=2 m=0
